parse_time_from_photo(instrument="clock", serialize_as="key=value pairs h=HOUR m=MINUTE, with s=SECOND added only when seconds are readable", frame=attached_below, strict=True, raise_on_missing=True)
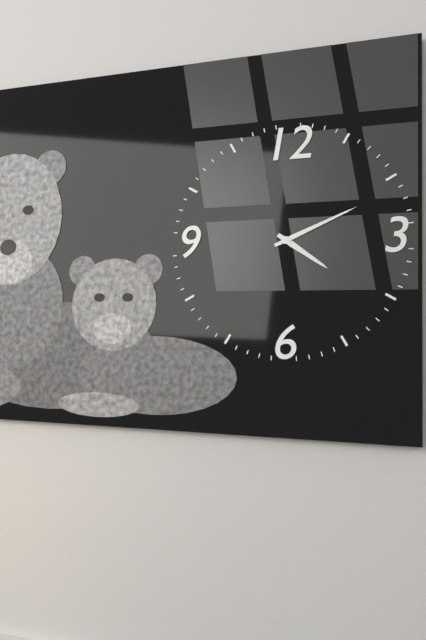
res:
h=4 m=11
